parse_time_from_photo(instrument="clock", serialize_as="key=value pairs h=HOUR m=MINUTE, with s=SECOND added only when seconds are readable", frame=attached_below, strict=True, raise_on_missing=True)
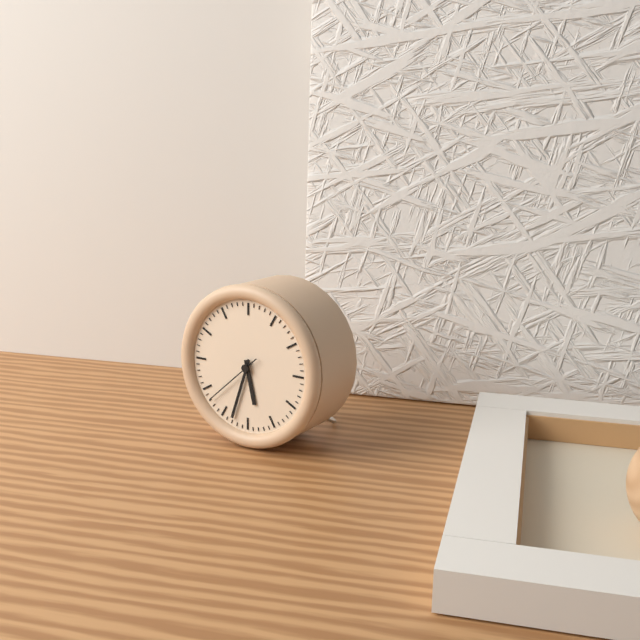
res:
h=5 m=33 s=38
